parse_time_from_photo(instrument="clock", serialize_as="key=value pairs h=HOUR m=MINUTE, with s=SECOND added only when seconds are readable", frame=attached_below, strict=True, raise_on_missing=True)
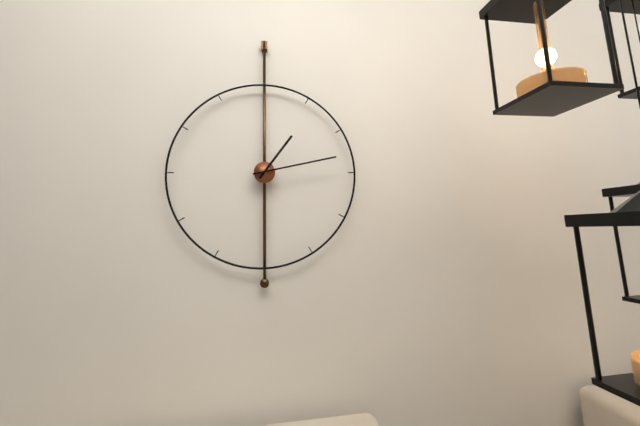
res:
h=1 m=13
